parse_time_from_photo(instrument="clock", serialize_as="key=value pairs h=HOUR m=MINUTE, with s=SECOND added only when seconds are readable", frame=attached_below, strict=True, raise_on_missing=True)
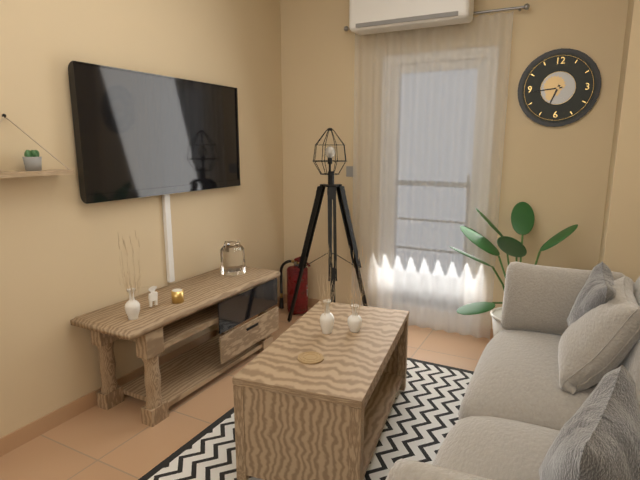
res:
h=6 m=44
